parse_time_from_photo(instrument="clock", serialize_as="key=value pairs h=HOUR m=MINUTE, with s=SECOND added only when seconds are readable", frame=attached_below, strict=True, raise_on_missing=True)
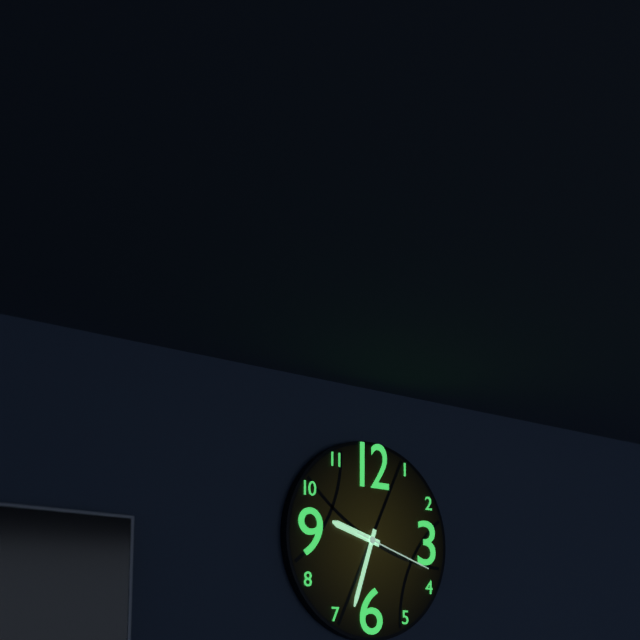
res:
h=9 m=33 s=18
